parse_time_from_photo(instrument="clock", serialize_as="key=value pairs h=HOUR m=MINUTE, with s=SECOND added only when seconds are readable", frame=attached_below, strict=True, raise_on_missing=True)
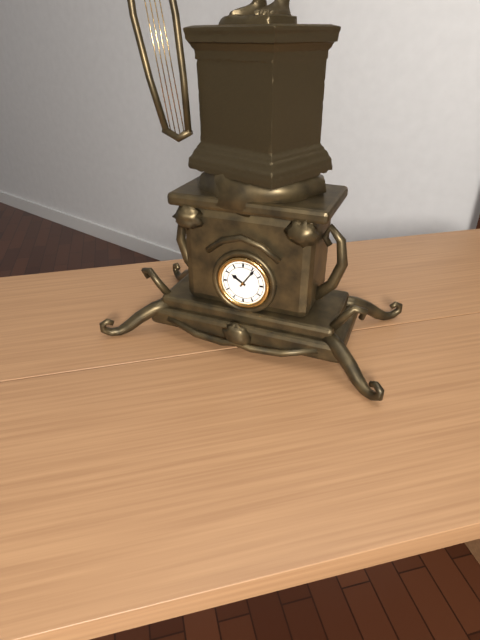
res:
h=10 m=6
